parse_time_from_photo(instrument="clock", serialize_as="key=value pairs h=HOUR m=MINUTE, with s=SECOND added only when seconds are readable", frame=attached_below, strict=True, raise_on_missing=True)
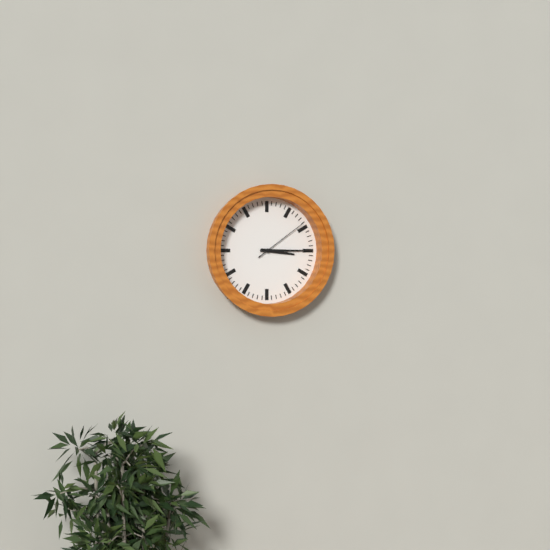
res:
h=3 m=15 s=9
